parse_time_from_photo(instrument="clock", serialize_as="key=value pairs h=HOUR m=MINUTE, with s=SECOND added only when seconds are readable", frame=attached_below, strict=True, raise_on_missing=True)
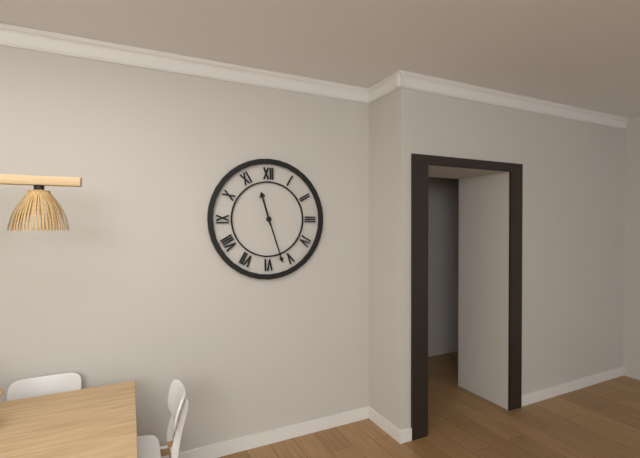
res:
h=11 m=27
